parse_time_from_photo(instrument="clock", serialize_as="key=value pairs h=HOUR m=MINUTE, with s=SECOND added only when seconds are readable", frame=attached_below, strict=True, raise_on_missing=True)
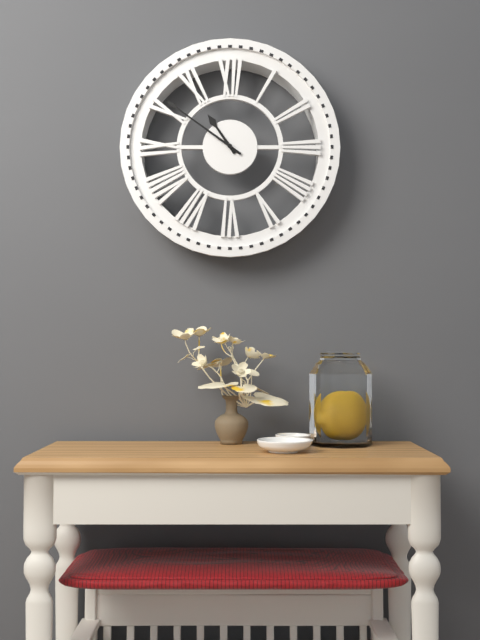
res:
h=10 m=51
